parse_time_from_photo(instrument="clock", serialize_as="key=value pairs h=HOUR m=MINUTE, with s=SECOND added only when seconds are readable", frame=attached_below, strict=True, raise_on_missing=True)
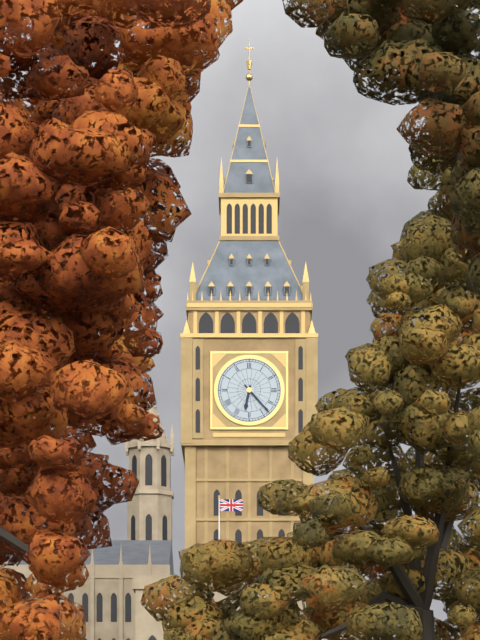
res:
h=6 m=23
